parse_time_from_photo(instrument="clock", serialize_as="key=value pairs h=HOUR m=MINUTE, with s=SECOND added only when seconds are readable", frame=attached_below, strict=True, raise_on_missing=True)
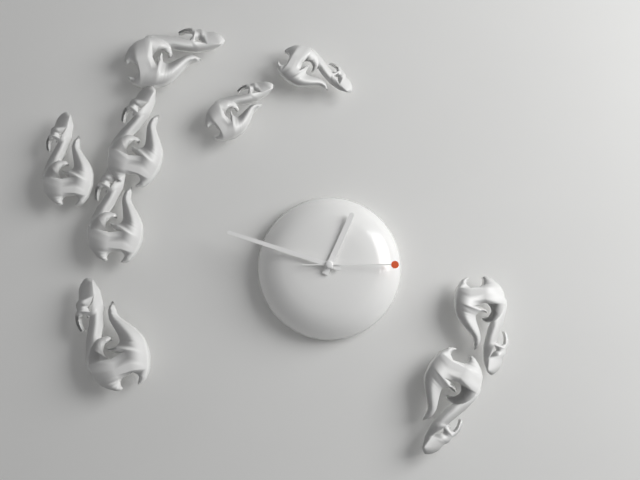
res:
h=12 m=48 s=15
